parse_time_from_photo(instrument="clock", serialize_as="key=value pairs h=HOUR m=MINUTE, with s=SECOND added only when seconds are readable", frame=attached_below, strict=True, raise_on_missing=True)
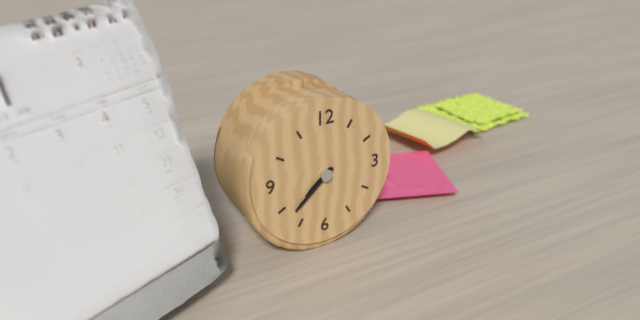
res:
h=7 m=38
